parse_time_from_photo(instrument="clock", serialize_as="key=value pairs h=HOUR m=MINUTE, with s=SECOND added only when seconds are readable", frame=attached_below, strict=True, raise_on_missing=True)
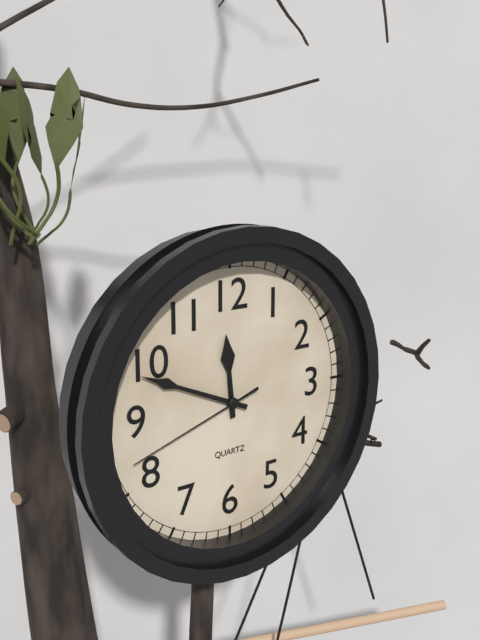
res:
h=11 m=49 s=42
